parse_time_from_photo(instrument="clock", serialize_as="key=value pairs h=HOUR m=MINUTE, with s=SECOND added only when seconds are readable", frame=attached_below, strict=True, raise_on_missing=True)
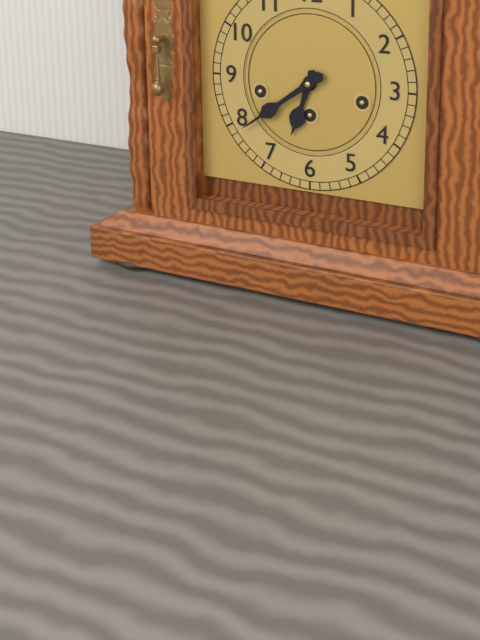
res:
h=6 m=39
